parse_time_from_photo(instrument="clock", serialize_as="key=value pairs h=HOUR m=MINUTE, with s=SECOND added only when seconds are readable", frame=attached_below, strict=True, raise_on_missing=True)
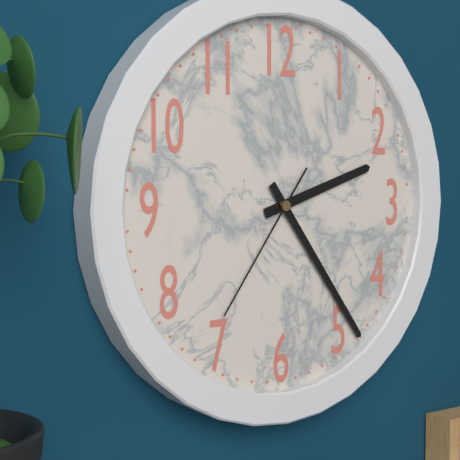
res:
h=2 m=24 s=36
